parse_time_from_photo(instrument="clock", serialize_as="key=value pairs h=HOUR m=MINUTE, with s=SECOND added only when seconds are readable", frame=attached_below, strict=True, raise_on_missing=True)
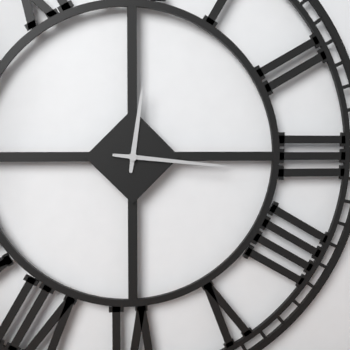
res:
h=12 m=16
